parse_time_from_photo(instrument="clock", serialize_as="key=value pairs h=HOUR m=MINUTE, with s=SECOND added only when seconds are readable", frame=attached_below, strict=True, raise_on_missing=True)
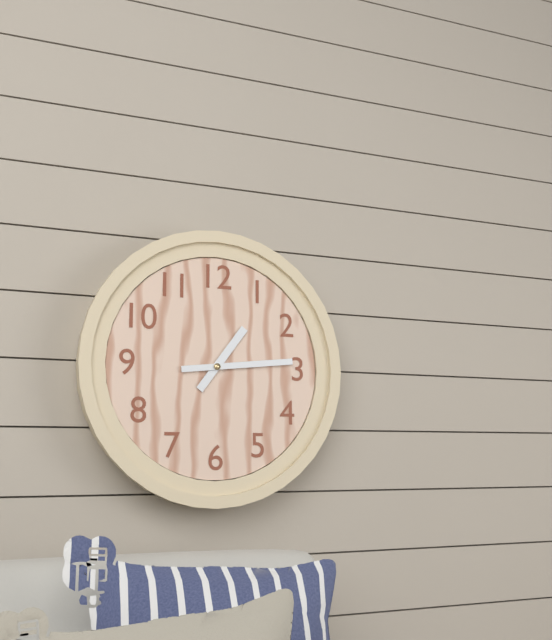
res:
h=1 m=14
